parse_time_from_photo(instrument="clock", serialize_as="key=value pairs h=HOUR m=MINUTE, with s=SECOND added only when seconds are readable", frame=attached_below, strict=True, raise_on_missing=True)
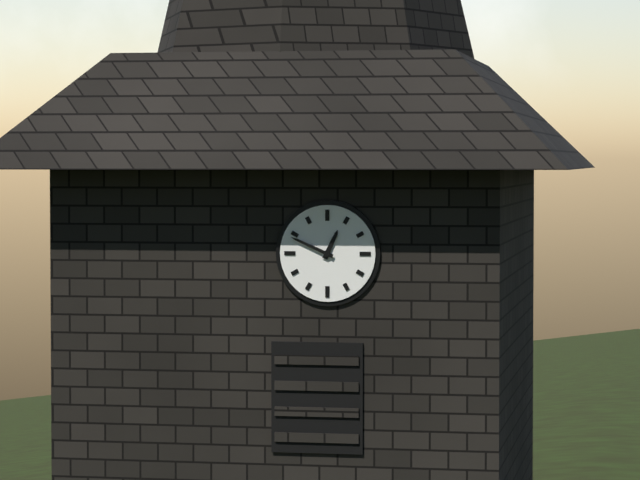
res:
h=12 m=49
